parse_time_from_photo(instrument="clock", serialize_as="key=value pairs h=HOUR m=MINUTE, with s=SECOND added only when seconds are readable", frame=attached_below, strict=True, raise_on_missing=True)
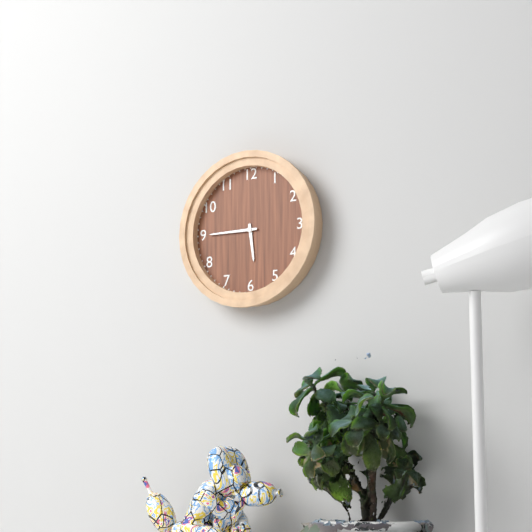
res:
h=5 m=45
